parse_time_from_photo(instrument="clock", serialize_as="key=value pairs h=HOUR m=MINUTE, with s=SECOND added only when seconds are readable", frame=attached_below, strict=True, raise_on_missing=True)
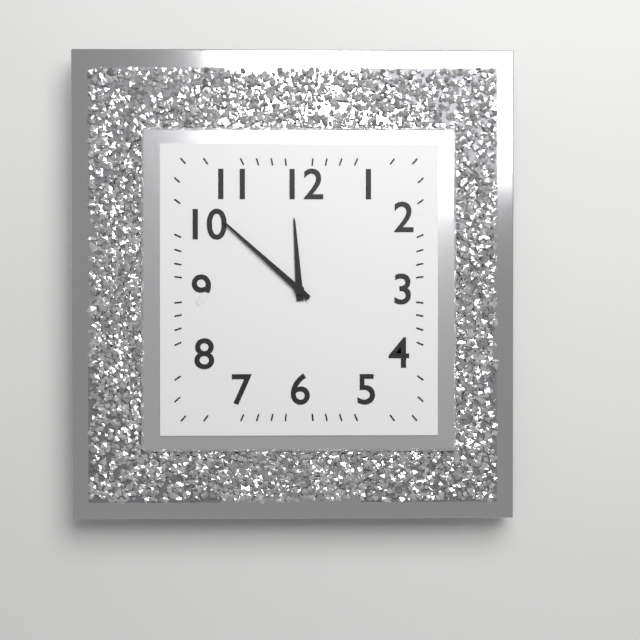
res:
h=11 m=52
